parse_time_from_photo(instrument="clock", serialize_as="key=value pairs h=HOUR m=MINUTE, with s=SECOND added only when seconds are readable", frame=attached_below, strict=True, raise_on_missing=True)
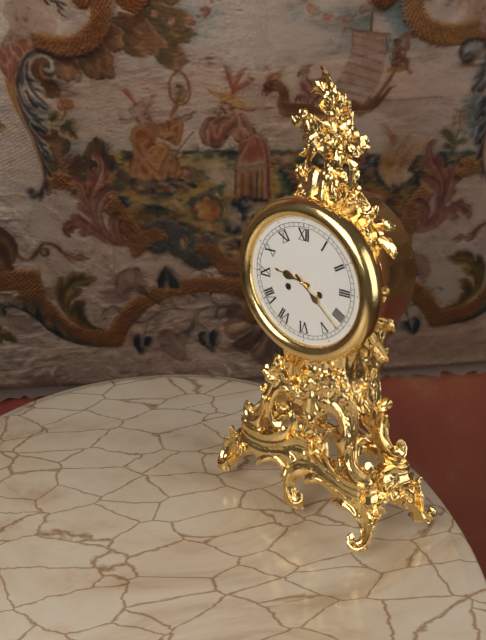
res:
h=9 m=22
